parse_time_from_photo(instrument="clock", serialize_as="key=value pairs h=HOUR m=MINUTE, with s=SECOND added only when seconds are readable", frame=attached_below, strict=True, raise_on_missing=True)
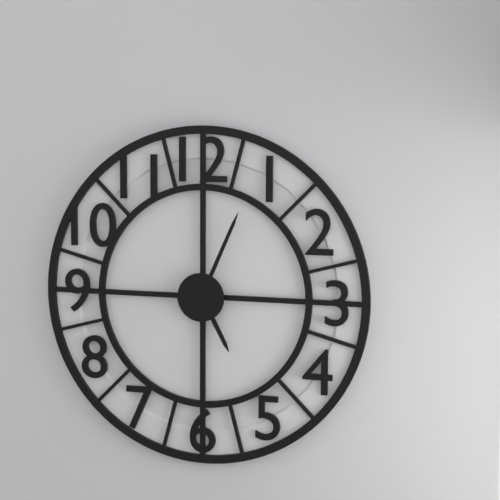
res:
h=5 m=4
